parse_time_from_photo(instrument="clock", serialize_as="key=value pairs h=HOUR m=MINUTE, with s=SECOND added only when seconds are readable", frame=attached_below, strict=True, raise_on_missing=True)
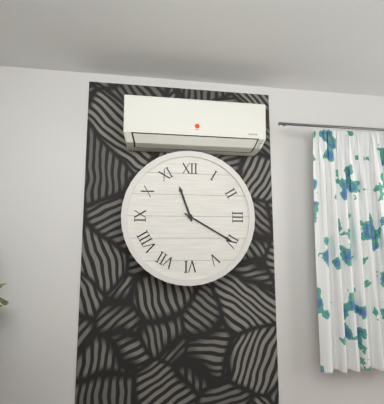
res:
h=11 m=20
